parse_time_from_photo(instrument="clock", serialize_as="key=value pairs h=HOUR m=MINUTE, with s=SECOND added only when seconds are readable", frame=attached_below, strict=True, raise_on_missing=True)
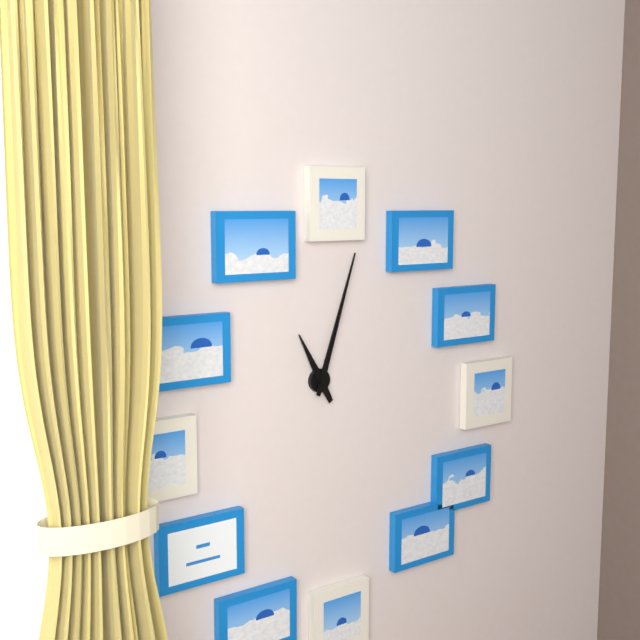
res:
h=11 m=3
